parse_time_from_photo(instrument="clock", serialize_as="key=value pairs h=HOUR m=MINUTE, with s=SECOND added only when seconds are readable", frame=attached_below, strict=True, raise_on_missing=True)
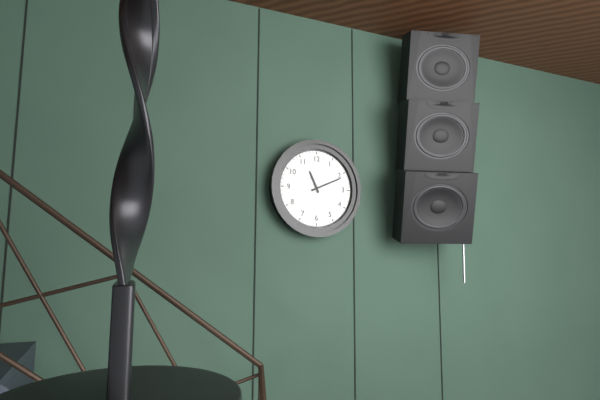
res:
h=11 m=11
